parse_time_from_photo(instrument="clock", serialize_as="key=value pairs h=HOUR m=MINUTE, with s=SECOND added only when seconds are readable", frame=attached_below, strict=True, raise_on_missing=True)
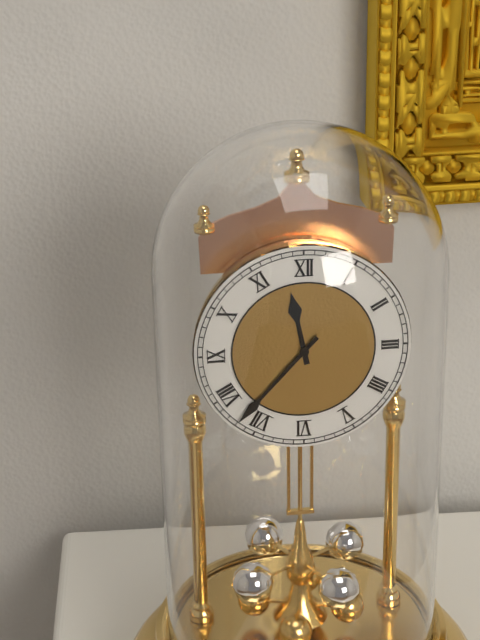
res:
h=11 m=37
